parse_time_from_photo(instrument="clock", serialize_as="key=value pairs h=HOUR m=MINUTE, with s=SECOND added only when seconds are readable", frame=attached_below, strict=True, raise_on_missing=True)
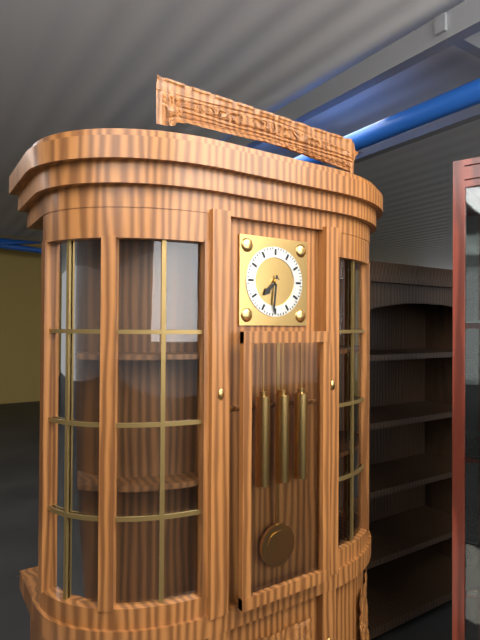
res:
h=7 m=31
